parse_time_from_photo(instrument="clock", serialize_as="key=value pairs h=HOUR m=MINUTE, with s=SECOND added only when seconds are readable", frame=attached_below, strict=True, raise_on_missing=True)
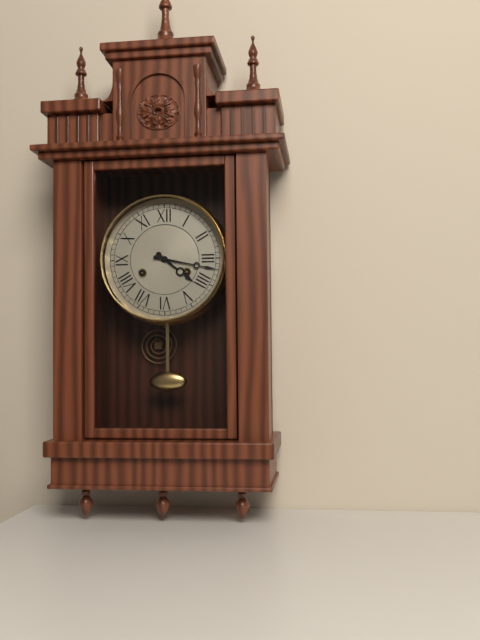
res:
h=4 m=17
